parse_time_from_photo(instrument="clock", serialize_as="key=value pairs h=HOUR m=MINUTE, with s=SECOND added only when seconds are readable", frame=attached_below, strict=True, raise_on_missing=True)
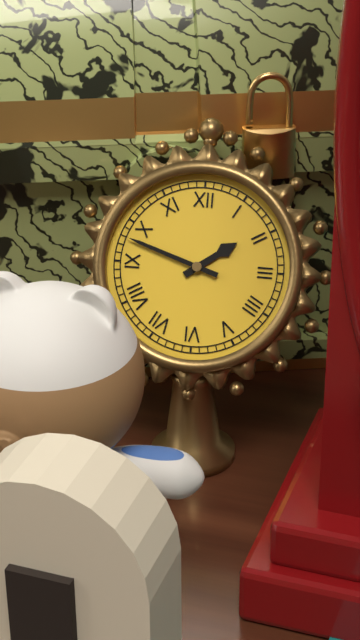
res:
h=1 m=48
